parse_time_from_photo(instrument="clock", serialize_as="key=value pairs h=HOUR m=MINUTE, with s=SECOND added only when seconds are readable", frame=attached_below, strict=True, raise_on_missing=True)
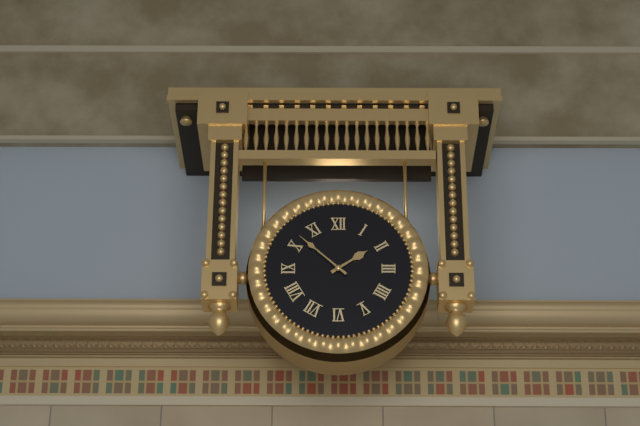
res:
h=1 m=52
